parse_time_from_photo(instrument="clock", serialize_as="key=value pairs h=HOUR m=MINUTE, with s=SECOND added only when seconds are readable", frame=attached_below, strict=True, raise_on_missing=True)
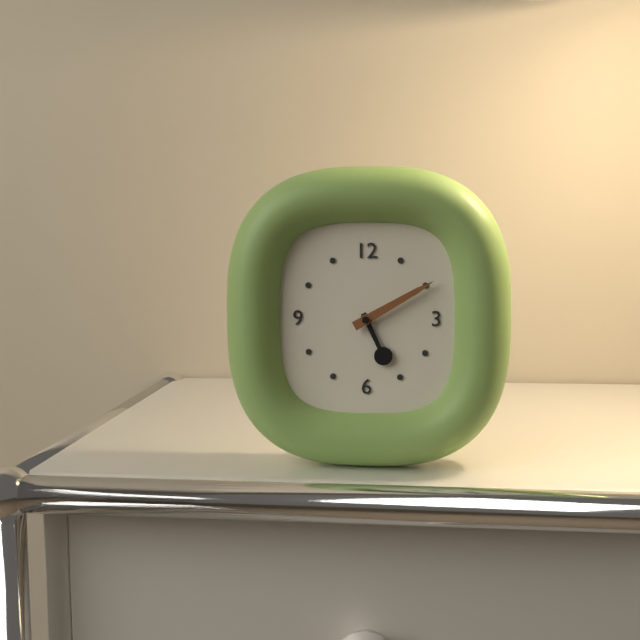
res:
h=5 m=10
